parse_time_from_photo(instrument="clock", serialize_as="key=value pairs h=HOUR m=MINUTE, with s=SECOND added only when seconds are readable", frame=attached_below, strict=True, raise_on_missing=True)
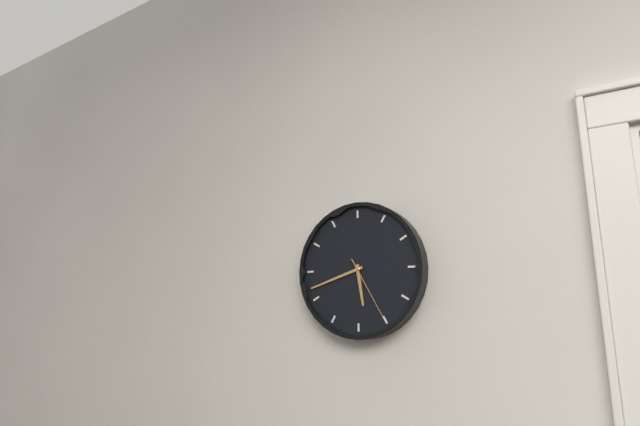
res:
h=5 m=42 s=25
